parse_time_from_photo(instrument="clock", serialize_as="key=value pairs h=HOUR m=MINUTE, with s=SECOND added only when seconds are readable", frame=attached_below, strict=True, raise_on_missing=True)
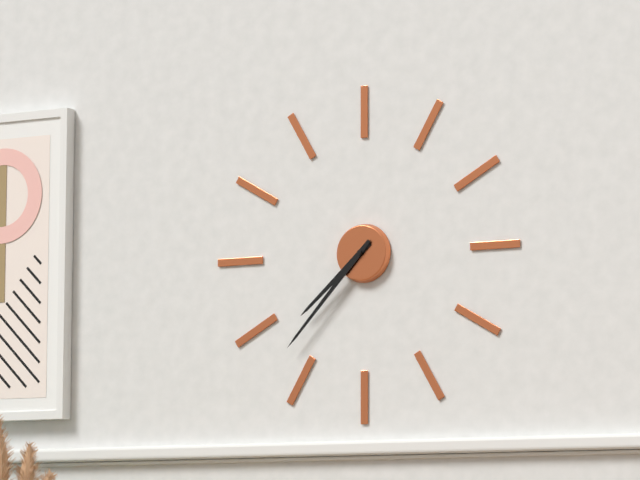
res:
h=7 m=37
